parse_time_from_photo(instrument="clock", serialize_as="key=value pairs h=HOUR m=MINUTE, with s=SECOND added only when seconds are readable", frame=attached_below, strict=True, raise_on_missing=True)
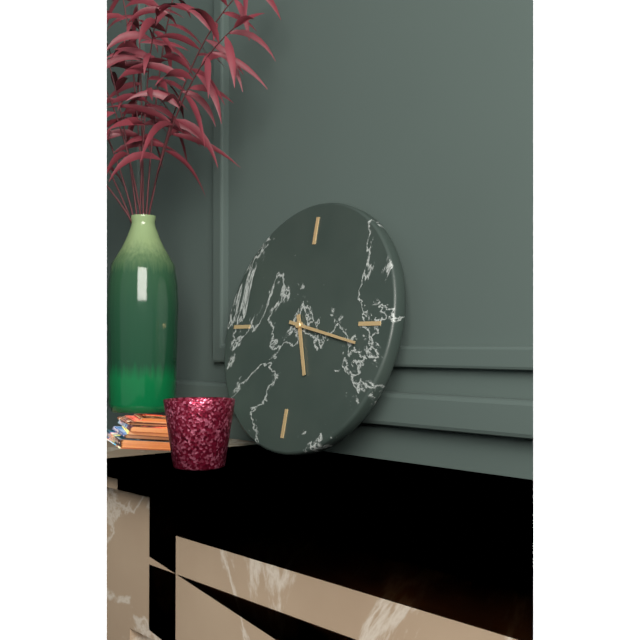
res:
h=5 m=17
